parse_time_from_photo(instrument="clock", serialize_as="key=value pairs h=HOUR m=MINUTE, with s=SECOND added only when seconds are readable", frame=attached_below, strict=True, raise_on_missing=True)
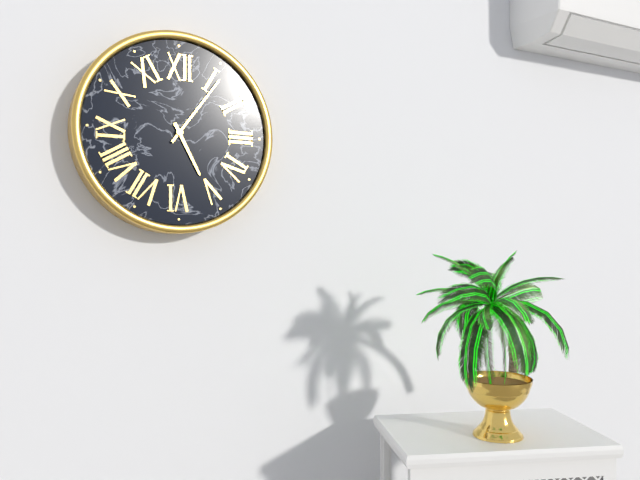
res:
h=5 m=6
